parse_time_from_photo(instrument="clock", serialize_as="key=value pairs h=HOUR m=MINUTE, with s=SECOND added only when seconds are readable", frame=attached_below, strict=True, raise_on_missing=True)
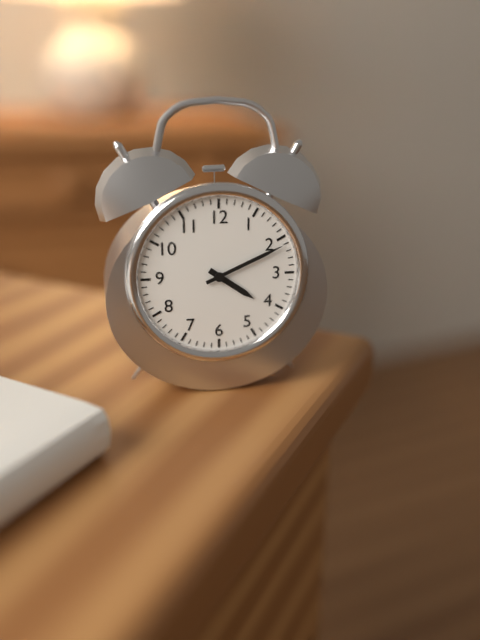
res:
h=4 m=11
